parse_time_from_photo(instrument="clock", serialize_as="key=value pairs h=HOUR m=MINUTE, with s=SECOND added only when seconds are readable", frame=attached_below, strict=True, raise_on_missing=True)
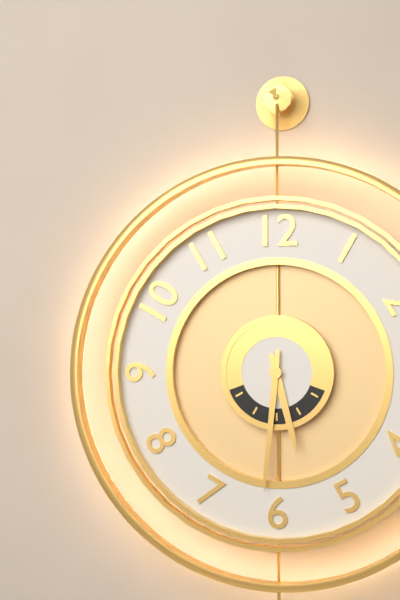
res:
h=5 m=31
